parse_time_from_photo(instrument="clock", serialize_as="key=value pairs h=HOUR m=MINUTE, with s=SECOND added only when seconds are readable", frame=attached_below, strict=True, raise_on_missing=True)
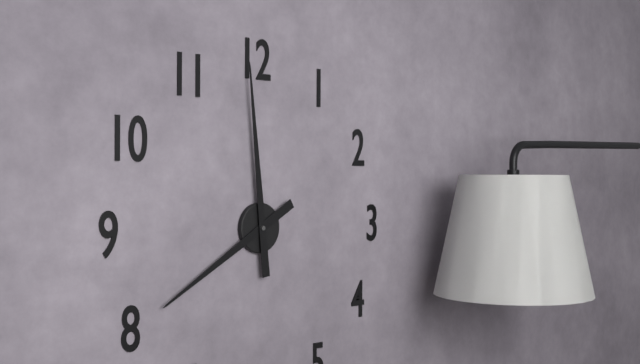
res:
h=7 m=59
